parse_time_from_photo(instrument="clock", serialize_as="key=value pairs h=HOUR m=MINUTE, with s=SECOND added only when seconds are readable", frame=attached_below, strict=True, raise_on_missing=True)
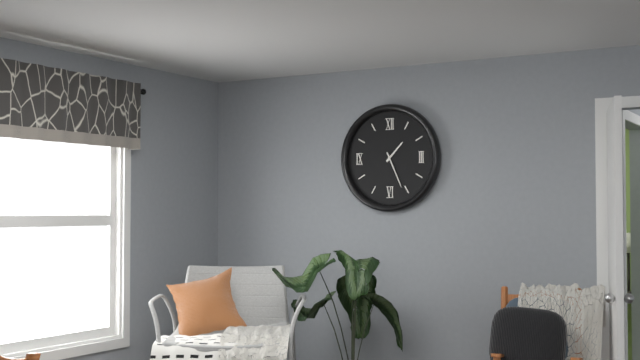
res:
h=1 m=26
